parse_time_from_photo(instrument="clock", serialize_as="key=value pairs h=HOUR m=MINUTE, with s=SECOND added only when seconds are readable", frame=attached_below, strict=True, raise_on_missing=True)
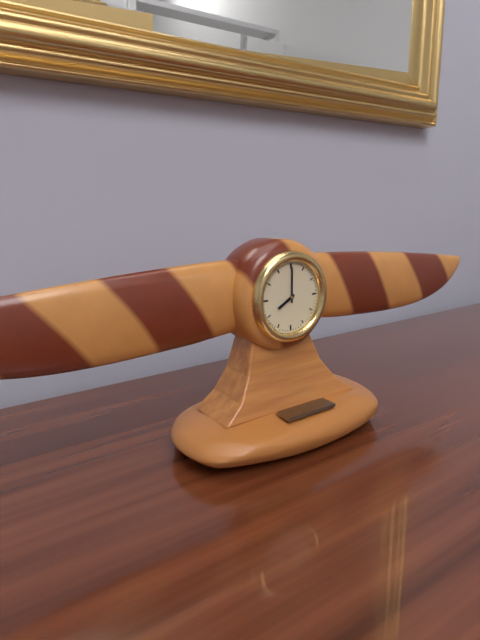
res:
h=8 m=0
